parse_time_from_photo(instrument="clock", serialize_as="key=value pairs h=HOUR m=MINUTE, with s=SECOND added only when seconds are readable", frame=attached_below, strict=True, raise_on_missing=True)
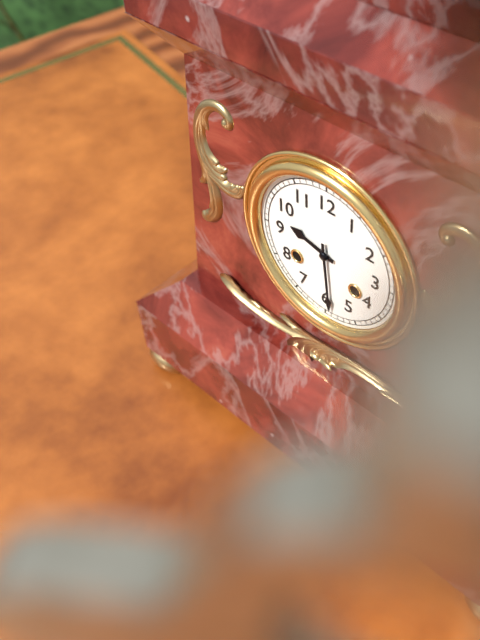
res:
h=9 m=29
